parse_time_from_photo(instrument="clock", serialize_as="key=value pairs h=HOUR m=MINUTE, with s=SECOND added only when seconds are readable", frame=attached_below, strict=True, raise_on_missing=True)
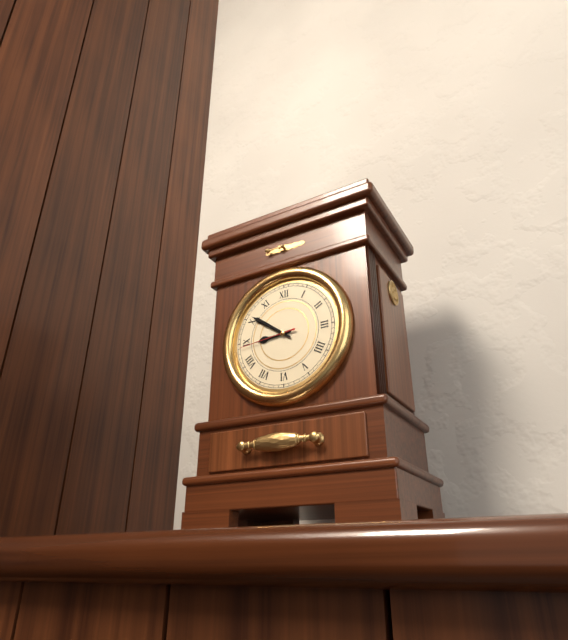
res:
h=8 m=51 s=44
